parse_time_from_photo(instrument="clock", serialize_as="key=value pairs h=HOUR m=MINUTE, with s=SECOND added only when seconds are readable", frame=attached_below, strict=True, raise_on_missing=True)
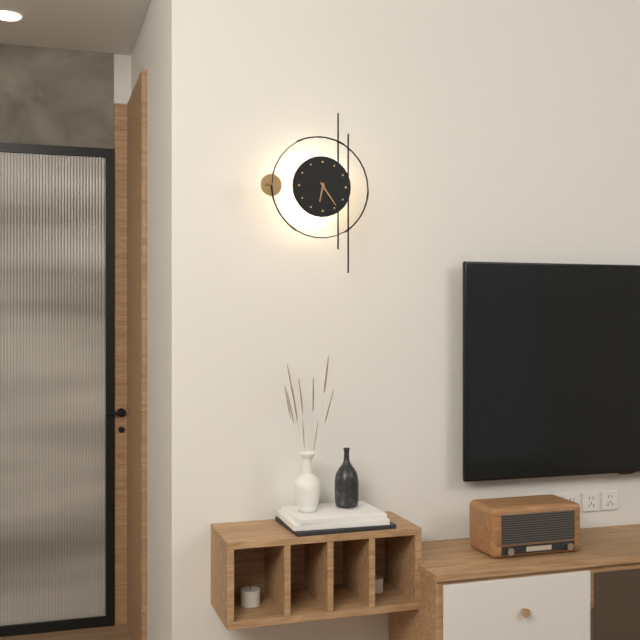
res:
h=6 m=24
